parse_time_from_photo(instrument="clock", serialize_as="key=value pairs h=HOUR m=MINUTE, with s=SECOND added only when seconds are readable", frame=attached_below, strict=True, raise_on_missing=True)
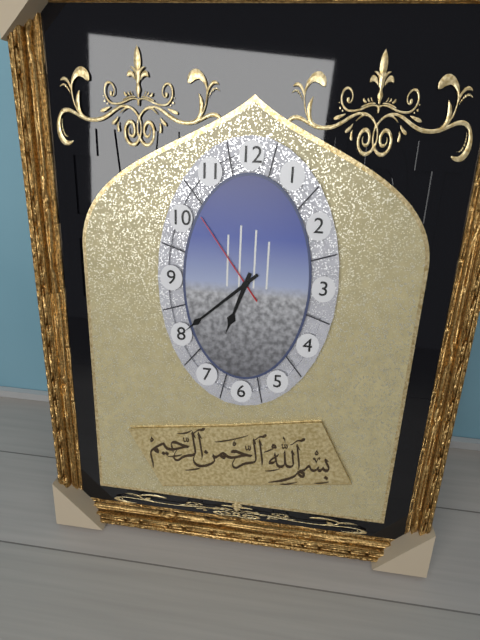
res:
h=6 m=38 s=54
